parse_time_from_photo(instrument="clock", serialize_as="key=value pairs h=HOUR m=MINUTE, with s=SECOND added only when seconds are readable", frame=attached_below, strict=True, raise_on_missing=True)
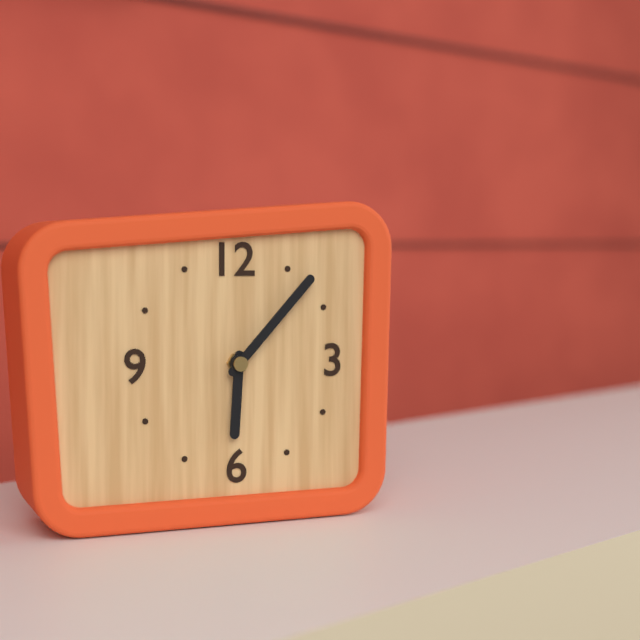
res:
h=6 m=7
